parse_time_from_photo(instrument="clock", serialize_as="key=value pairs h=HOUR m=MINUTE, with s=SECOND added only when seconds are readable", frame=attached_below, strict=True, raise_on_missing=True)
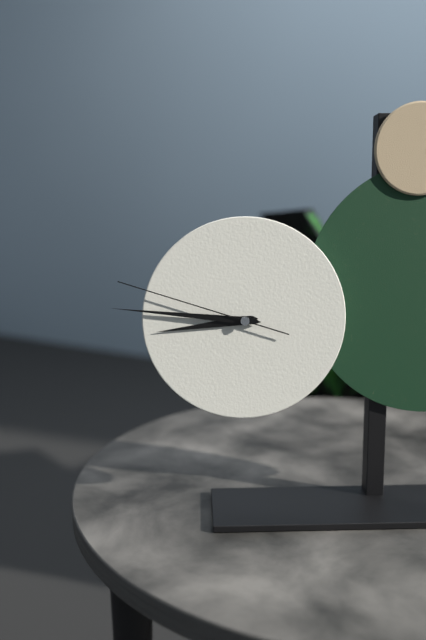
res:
h=8 m=46 s=48
